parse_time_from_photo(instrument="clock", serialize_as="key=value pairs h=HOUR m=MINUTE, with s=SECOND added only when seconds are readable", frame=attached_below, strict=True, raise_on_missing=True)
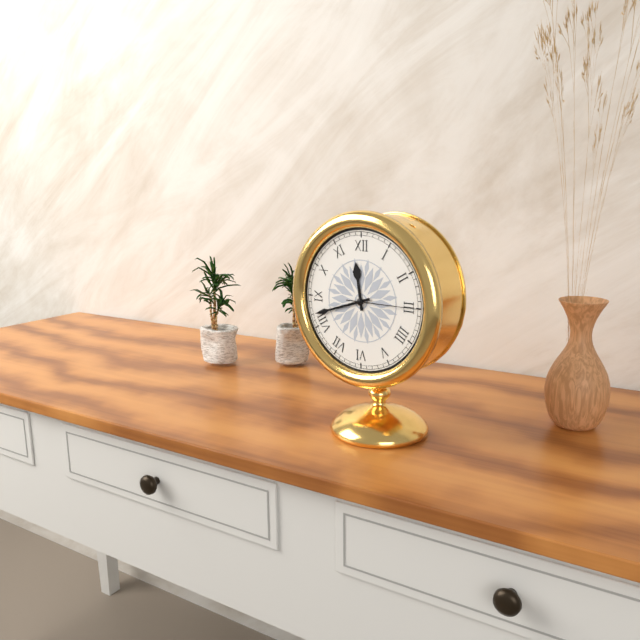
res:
h=11 m=42 s=15
